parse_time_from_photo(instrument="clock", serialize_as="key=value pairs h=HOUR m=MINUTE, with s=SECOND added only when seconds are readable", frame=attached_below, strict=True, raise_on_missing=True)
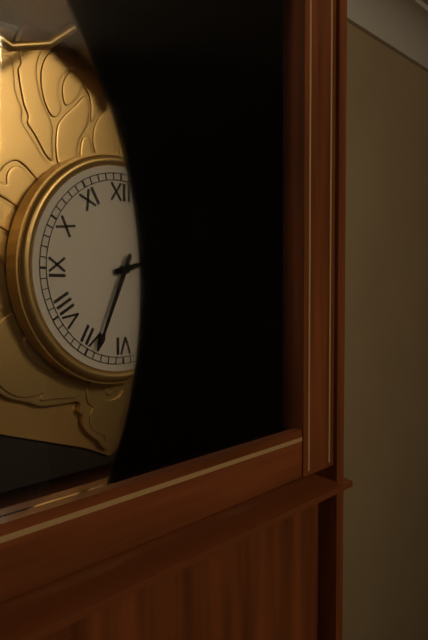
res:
h=2 m=34
